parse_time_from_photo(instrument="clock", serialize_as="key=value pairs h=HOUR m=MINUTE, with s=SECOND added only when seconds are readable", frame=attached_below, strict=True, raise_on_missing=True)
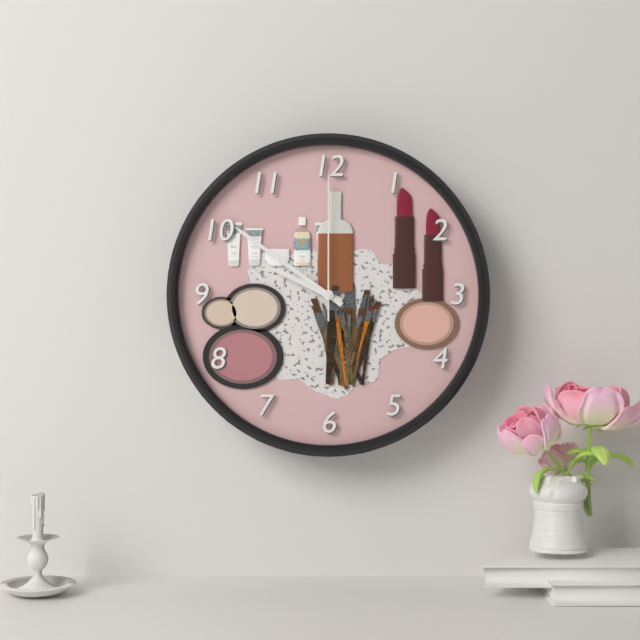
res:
h=9 m=51 s=0
